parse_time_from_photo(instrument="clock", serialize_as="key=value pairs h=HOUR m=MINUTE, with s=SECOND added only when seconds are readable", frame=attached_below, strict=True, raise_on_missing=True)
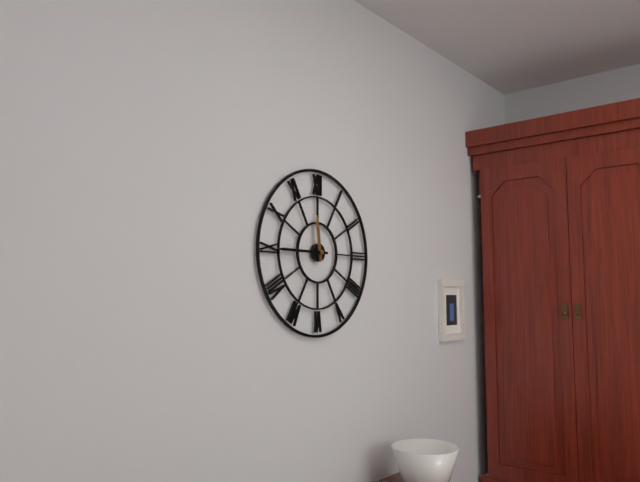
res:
h=11 m=45
